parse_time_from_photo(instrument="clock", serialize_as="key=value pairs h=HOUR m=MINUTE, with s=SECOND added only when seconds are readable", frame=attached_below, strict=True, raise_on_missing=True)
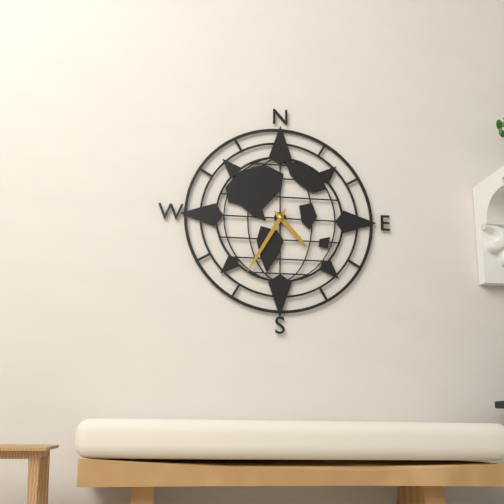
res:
h=4 m=35
